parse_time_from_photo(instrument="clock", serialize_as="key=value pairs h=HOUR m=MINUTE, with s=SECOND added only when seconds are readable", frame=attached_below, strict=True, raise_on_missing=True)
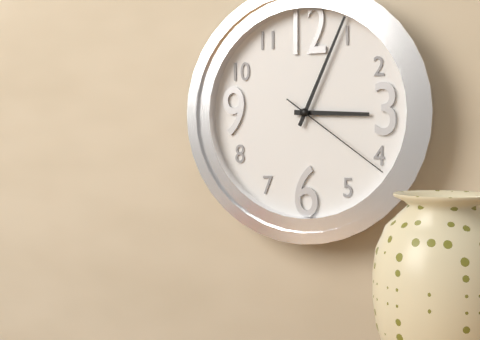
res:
h=3 m=4 s=21
